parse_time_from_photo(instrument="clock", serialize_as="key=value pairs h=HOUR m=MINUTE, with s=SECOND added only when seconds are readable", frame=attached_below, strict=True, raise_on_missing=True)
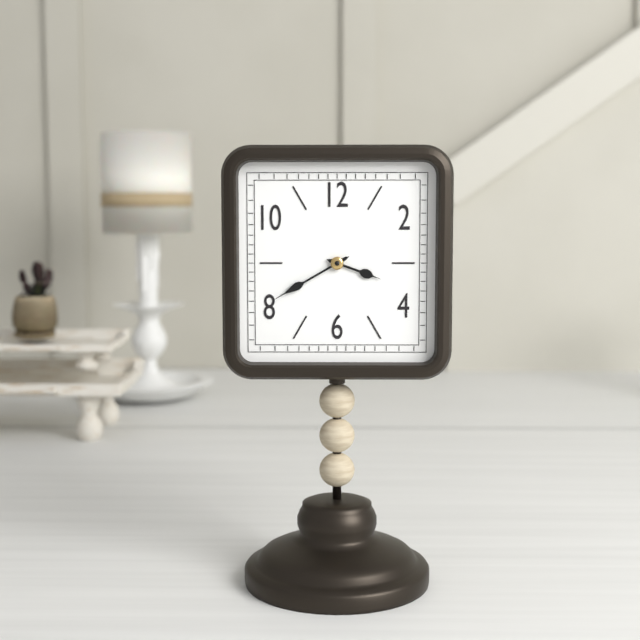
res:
h=3 m=40
